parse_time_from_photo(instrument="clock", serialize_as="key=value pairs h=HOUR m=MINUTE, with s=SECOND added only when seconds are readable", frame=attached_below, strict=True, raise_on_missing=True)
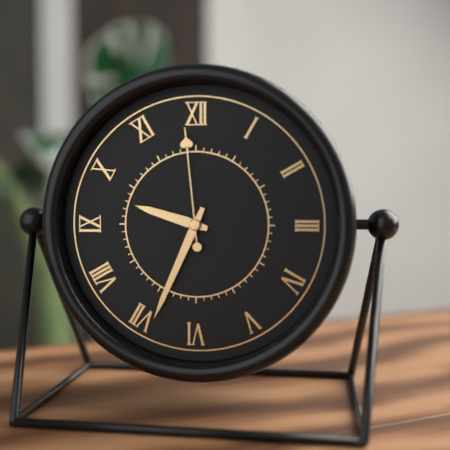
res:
h=9 m=34 s=59
